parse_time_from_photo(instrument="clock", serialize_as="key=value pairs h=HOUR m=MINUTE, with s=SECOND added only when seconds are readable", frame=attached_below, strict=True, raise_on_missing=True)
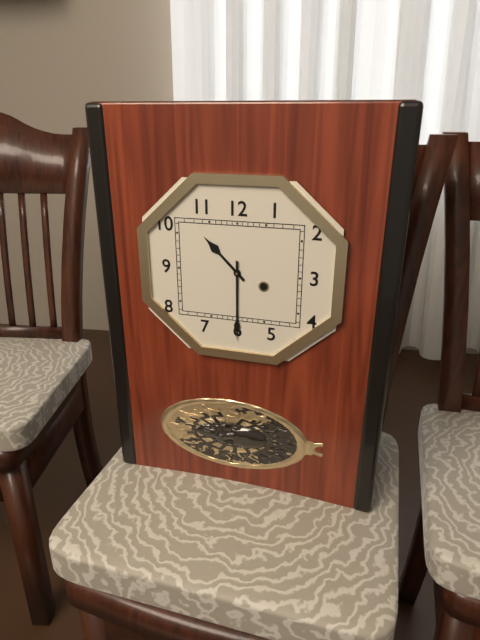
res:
h=10 m=30
